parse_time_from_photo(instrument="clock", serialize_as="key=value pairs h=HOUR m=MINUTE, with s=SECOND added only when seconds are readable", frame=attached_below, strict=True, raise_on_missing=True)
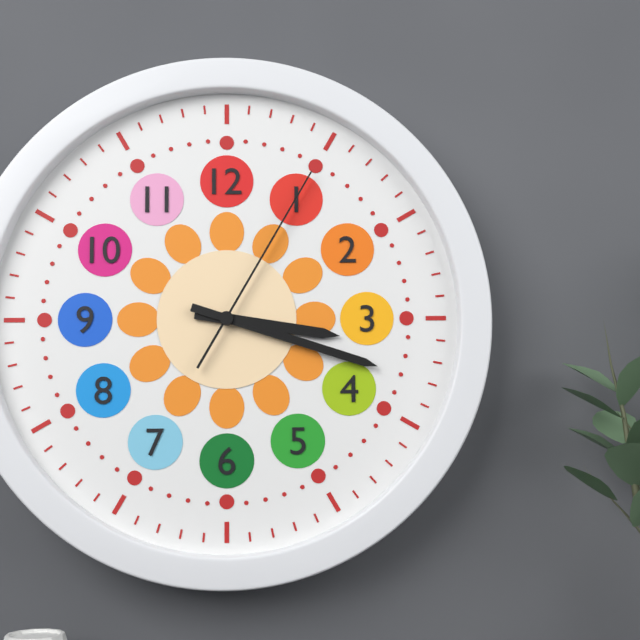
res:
h=3 m=18 s=5
